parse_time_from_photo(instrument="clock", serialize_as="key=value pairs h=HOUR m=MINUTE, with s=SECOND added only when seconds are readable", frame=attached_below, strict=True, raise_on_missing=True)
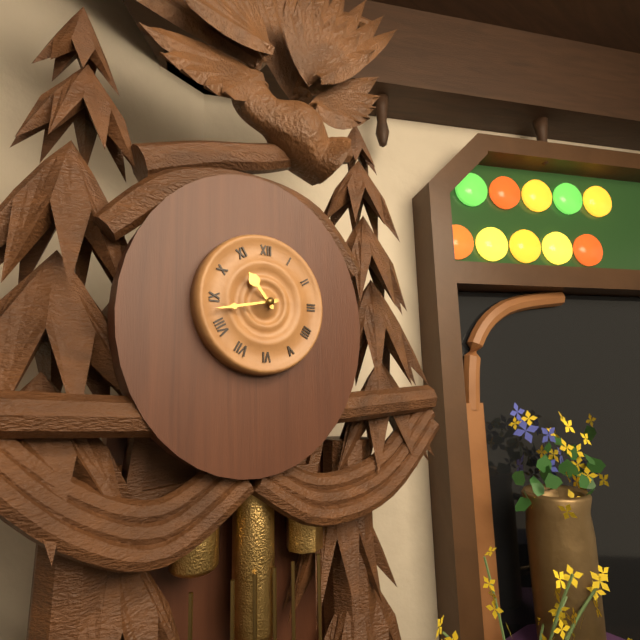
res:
h=10 m=43
